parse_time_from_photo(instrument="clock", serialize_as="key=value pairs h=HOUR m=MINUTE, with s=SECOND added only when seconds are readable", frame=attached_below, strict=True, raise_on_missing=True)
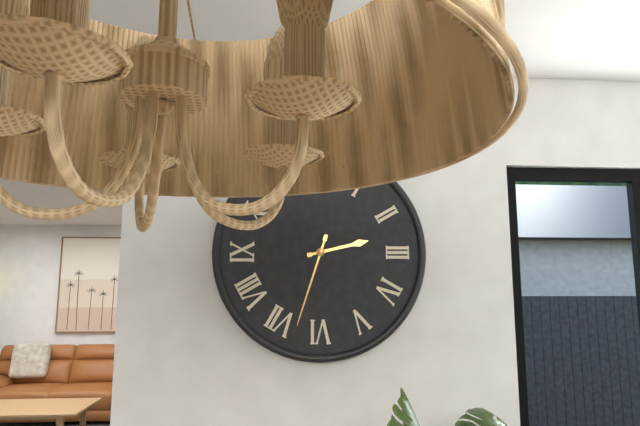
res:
h=2 m=33
